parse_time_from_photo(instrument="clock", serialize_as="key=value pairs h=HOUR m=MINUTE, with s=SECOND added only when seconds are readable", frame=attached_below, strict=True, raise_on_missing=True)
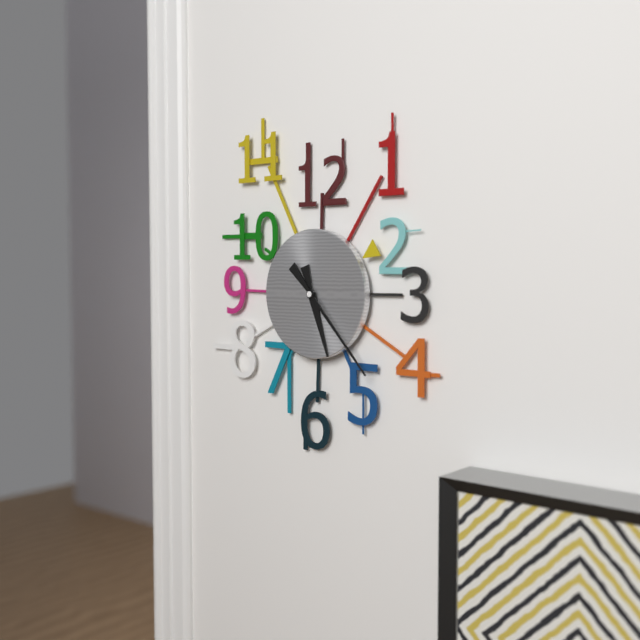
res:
h=5 m=23
